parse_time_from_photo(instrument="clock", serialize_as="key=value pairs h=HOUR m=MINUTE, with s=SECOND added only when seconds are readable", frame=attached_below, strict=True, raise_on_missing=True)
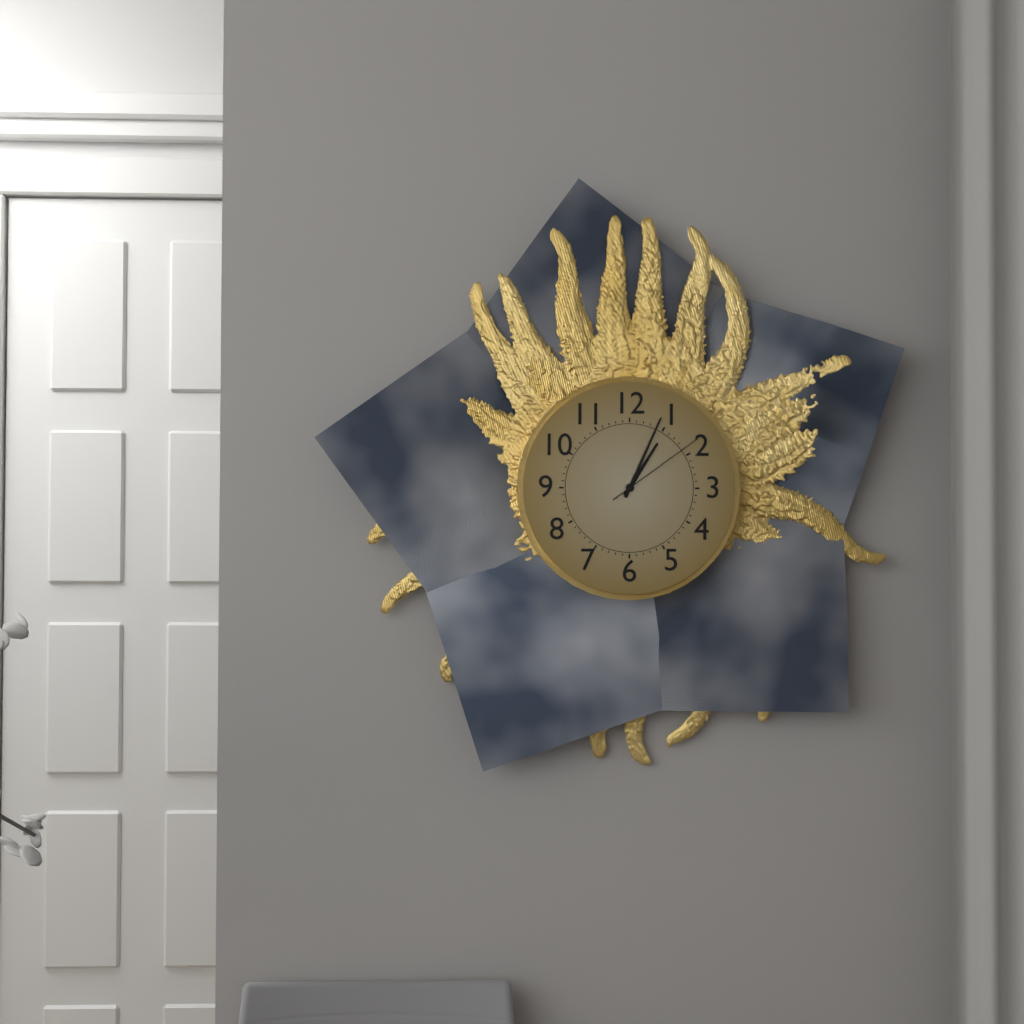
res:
h=1 m=4 s=9
